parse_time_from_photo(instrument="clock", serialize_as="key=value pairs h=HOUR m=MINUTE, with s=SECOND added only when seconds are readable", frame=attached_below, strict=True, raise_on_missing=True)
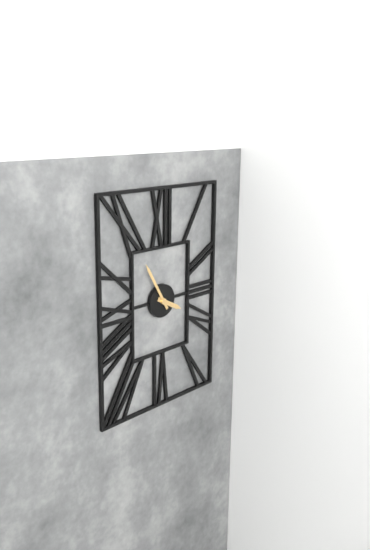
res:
h=3 m=55
